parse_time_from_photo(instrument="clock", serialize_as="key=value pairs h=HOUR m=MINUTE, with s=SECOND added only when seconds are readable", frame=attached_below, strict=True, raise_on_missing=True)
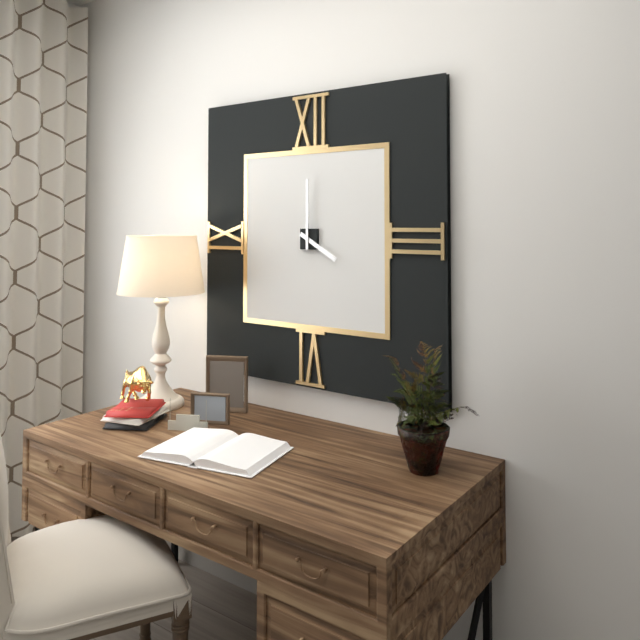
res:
h=4 m=0
